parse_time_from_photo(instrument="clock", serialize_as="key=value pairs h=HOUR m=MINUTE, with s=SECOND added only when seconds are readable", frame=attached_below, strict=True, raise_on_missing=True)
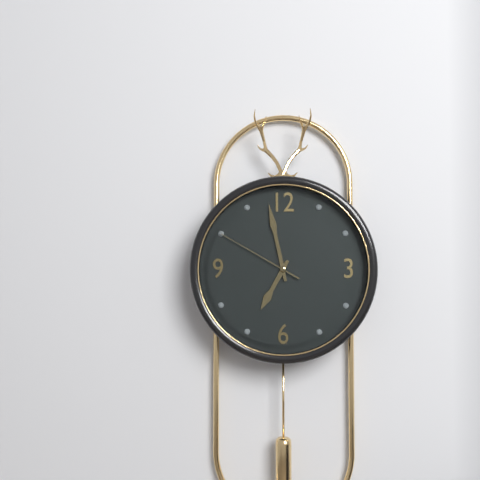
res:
h=6 m=58 s=50
